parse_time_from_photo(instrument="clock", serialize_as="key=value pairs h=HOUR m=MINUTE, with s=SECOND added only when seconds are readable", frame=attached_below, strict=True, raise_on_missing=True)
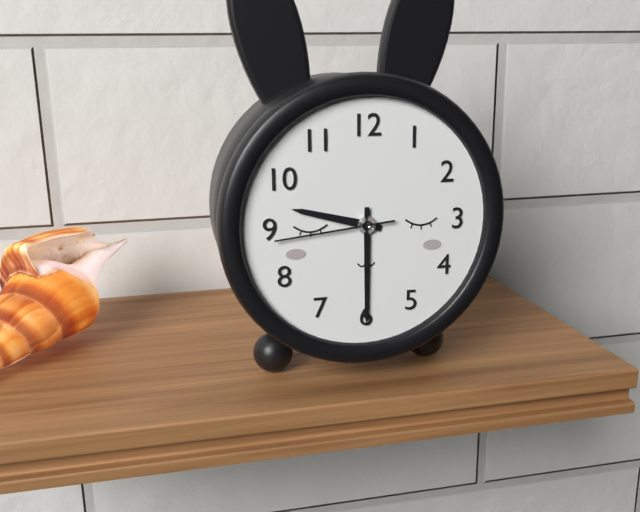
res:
h=9 m=30 s=44
